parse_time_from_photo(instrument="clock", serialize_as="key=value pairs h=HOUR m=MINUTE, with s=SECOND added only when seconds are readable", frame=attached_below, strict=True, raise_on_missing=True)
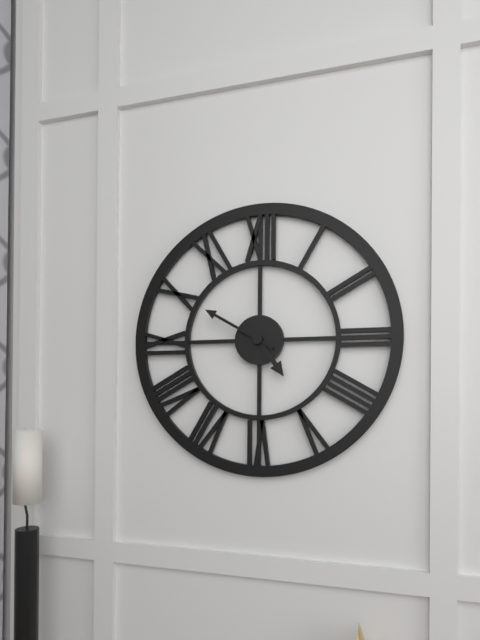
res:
h=4 m=50
